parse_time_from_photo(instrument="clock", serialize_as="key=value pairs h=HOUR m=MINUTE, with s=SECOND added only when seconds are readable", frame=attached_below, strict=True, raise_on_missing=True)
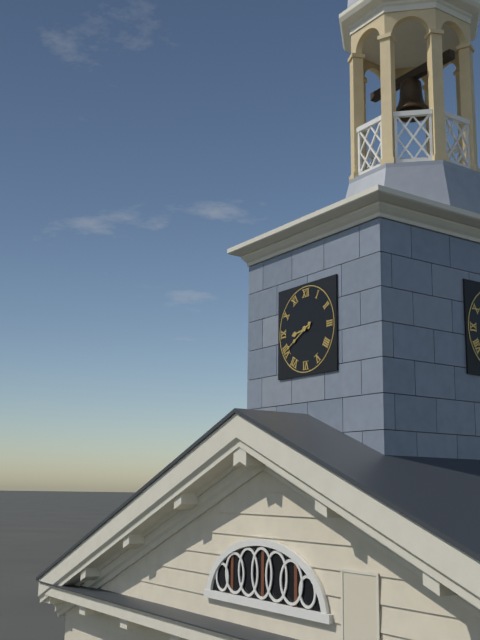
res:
h=8 m=40
